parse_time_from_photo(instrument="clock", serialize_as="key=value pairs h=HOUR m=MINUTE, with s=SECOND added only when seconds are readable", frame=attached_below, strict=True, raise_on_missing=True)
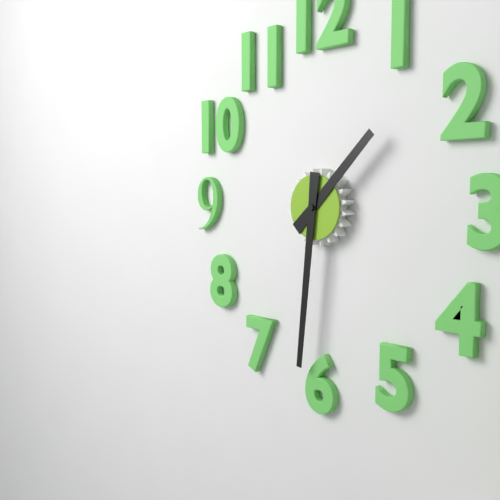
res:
h=1 m=31
